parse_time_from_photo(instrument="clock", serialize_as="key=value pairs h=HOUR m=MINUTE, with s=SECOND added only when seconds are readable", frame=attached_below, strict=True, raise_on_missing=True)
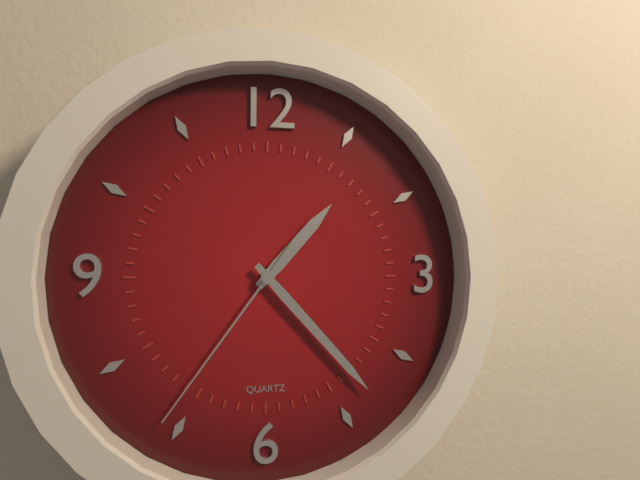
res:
h=1 m=23 s=36
